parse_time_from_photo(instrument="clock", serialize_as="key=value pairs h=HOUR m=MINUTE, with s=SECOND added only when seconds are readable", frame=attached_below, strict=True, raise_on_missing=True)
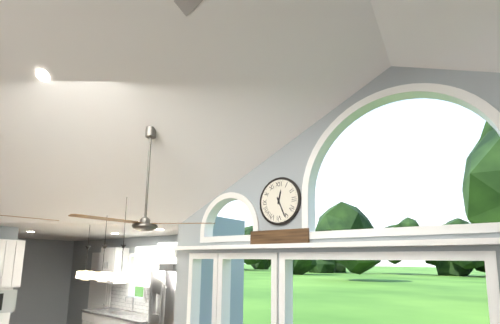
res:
h=12 m=26
